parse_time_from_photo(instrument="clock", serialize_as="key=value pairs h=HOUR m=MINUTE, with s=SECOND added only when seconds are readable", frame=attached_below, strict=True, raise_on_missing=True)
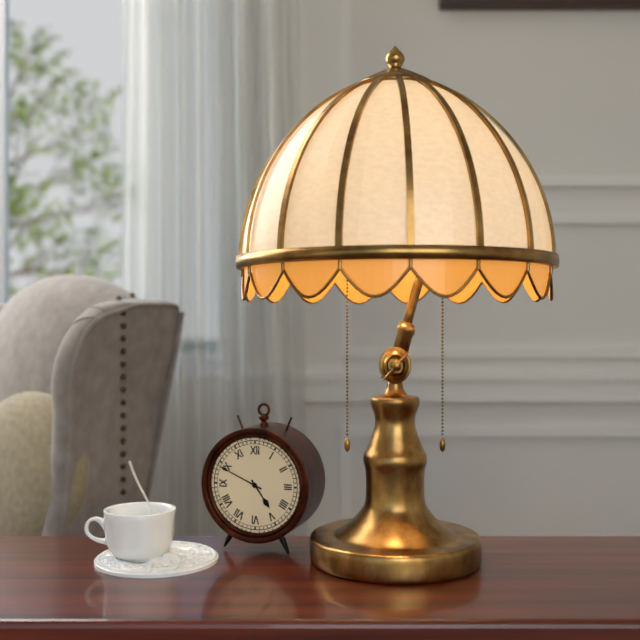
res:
h=4 m=49
